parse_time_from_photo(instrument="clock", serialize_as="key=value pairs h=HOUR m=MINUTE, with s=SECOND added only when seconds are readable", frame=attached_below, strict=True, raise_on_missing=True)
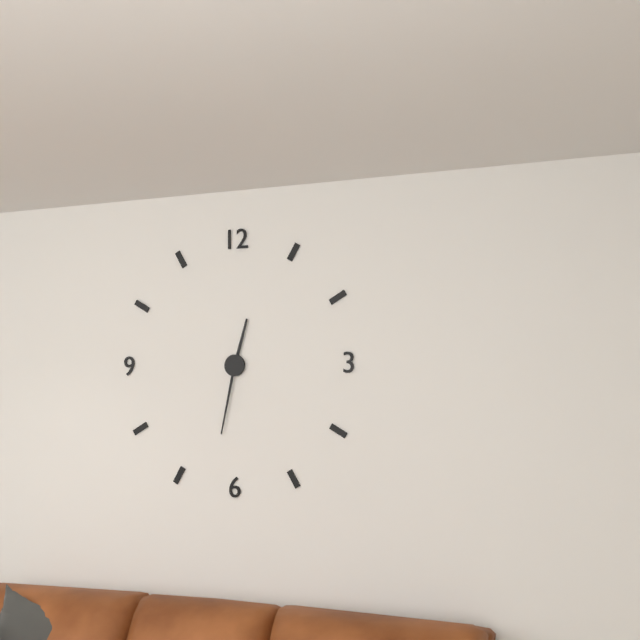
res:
h=12 m=32
